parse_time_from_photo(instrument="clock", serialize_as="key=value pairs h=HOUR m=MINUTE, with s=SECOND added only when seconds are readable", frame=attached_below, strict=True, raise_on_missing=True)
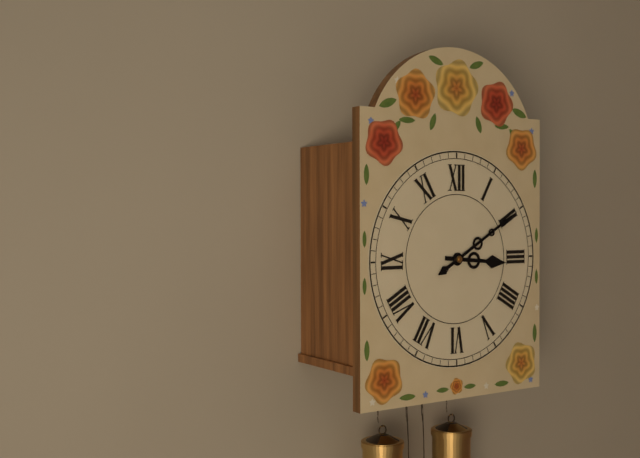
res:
h=3 m=10
